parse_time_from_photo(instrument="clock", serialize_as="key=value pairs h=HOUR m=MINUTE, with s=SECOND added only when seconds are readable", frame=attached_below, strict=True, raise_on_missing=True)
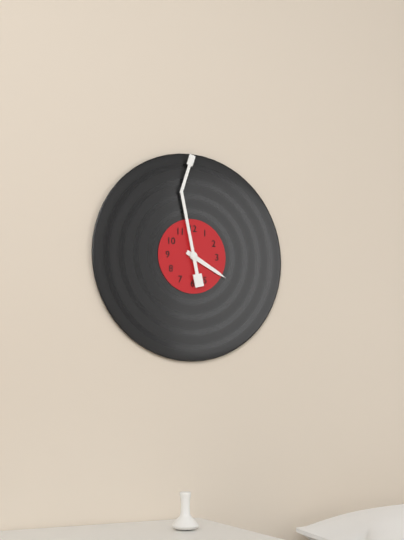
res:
h=3 m=58
